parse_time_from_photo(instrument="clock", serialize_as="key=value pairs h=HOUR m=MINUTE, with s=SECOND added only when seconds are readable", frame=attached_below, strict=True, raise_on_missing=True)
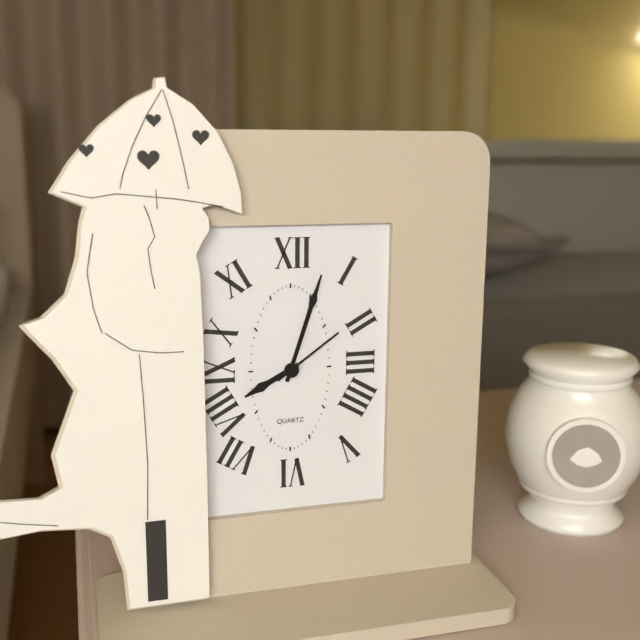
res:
h=8 m=3 s=9
